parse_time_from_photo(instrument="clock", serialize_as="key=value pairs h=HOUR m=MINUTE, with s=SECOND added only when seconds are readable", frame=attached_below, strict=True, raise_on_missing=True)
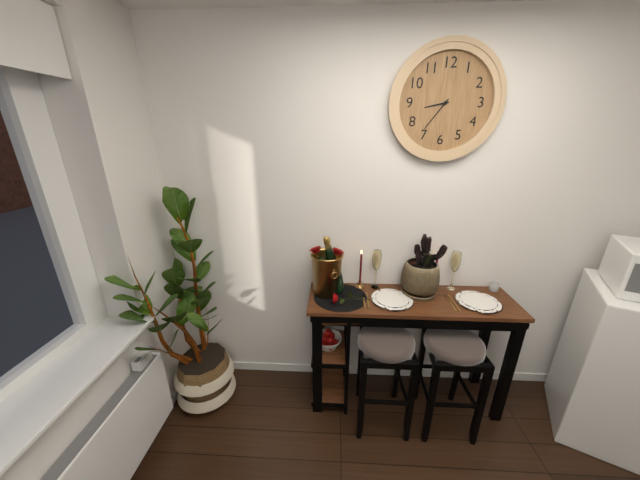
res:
h=8 m=36
